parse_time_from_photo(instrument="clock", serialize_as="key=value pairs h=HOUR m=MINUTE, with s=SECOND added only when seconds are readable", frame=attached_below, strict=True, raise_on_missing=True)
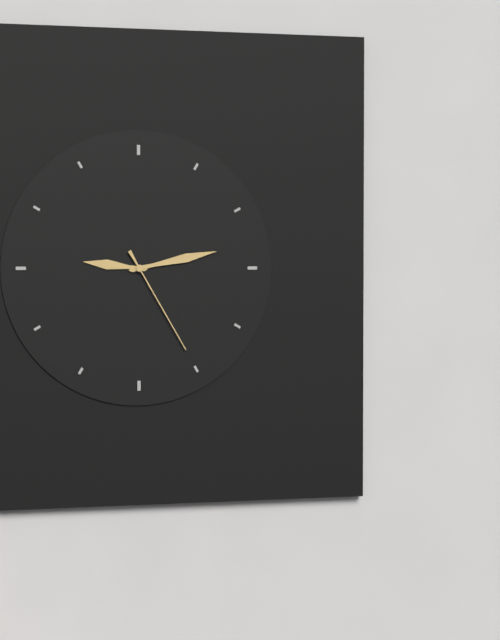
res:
h=9 m=13 s=25
